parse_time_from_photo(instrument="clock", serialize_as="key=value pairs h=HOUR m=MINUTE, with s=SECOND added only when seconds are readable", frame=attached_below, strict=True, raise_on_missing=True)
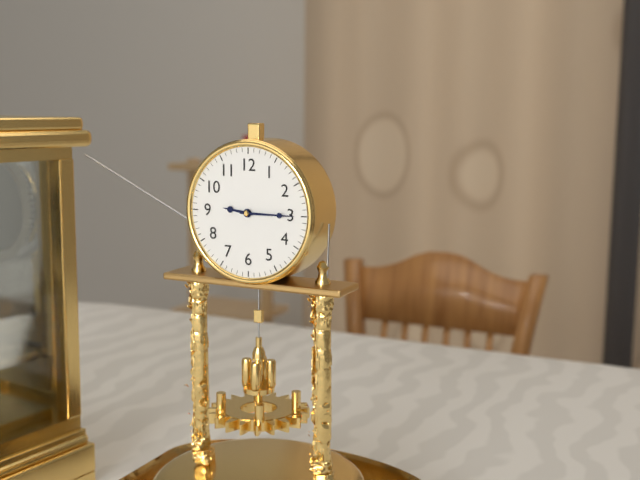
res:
h=9 m=15
